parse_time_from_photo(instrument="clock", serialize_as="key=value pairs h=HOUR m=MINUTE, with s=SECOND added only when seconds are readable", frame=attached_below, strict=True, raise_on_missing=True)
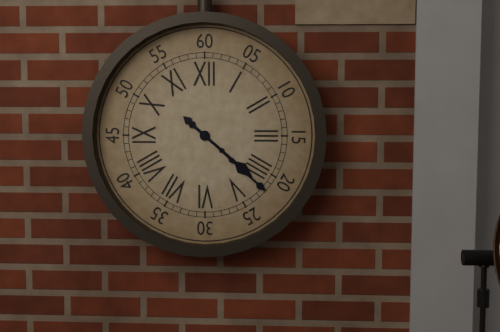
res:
h=4 m=22
